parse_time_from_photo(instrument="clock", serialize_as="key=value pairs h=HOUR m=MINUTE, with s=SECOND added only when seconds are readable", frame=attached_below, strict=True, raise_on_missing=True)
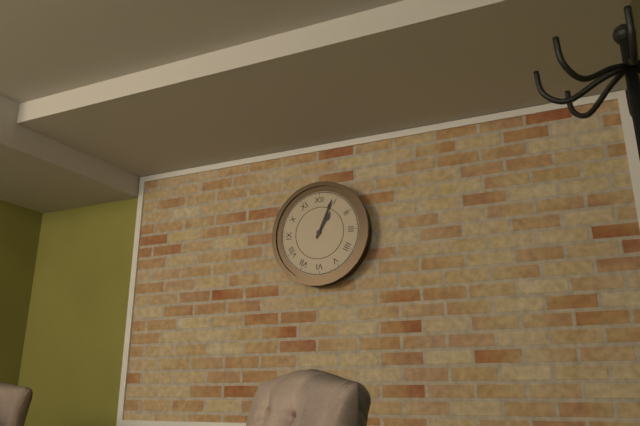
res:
h=1 m=4
